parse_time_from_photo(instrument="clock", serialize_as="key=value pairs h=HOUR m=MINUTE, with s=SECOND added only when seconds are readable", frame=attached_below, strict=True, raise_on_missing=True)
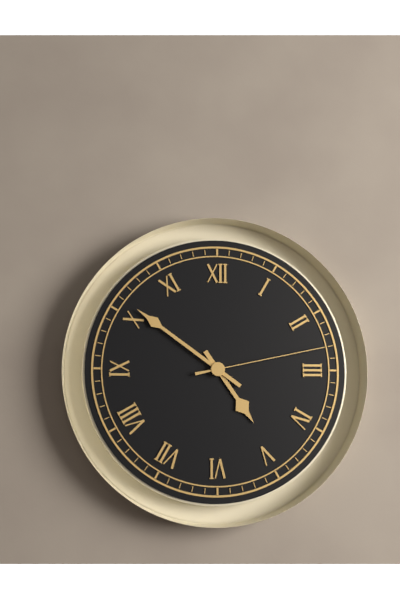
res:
h=4 m=51 s=13
